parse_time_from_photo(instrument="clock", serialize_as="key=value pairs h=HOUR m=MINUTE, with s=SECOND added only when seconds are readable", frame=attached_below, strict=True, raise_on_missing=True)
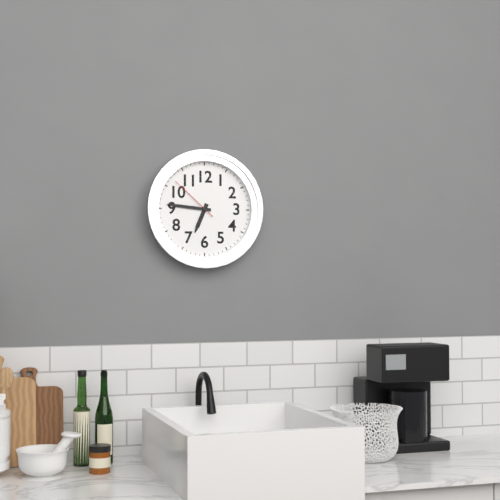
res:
h=6 m=46 s=52
